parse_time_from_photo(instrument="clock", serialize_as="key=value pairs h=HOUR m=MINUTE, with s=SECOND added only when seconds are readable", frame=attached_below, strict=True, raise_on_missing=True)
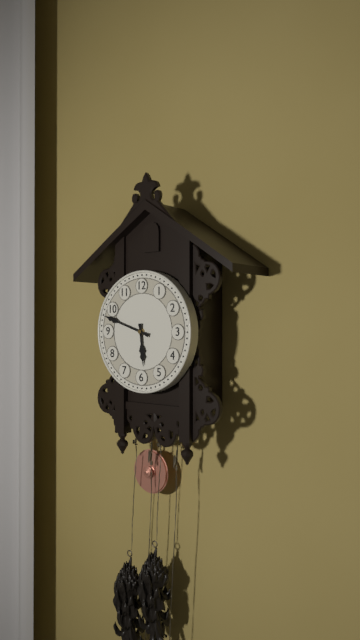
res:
h=5 m=48
